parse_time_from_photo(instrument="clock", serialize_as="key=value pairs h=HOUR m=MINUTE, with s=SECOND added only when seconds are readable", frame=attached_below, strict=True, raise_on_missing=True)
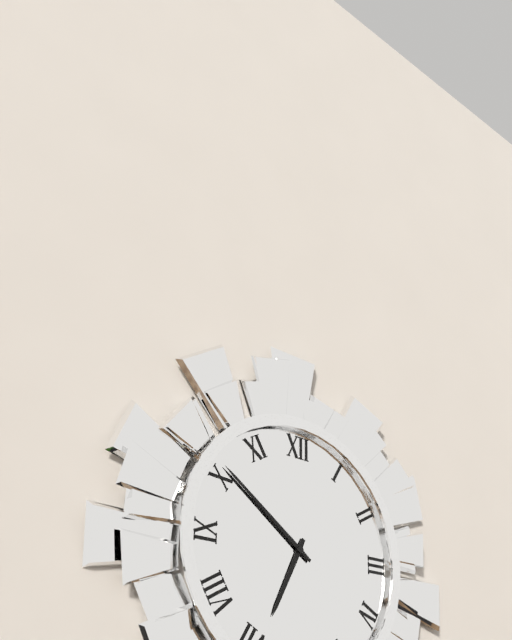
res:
h=6 m=51
